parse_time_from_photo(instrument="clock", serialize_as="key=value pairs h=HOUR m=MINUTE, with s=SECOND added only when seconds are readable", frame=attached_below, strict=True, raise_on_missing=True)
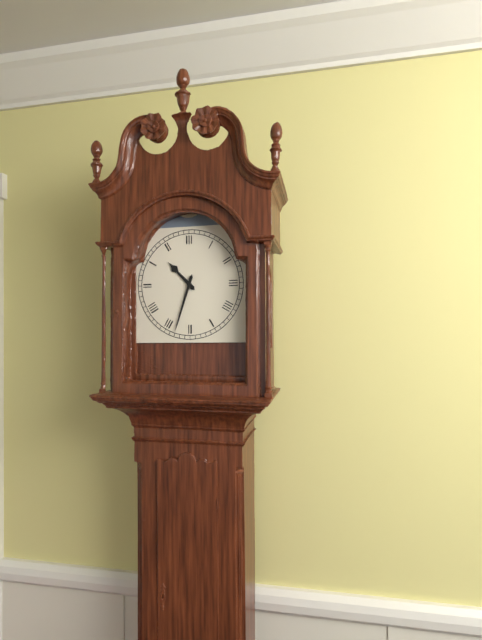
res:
h=10 m=33
